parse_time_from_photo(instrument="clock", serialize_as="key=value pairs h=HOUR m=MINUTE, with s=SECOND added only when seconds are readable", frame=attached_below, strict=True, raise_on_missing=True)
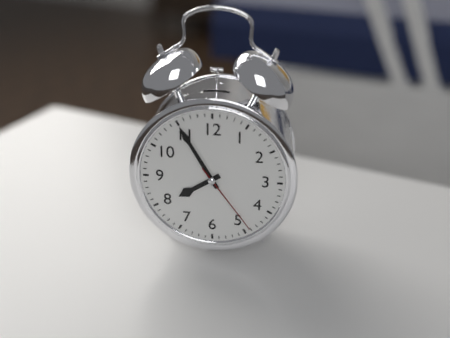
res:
h=7 m=55 s=24
